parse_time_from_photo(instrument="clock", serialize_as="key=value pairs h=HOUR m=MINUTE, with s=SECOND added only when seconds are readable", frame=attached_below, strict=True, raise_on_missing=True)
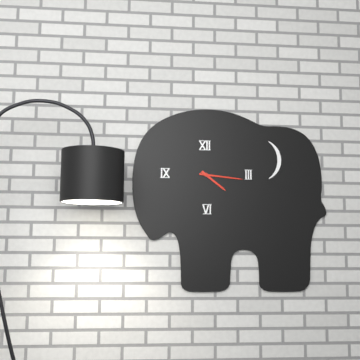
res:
h=4 m=16
